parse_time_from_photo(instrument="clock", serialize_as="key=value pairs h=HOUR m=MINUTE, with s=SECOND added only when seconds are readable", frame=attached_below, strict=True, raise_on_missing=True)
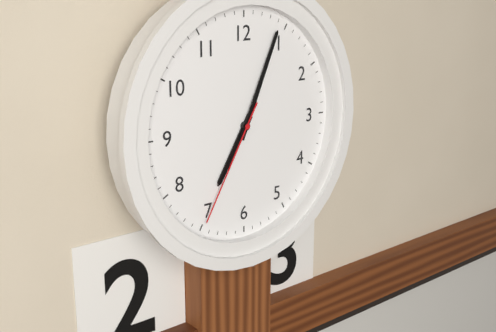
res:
h=7 m=4 s=35
